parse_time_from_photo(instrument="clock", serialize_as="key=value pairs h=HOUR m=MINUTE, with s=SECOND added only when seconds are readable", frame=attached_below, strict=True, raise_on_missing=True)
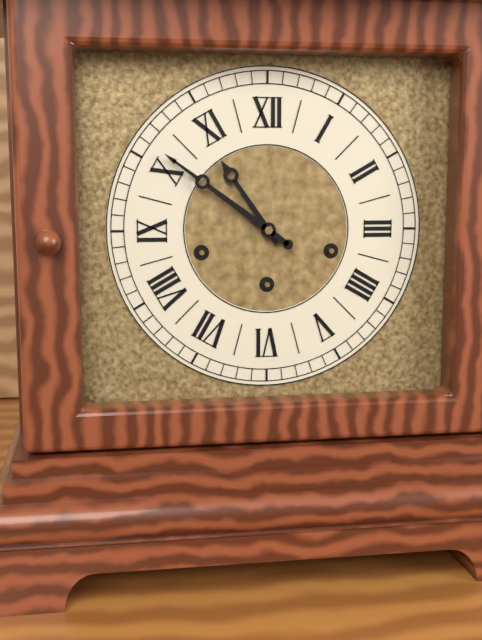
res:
h=10 m=51
